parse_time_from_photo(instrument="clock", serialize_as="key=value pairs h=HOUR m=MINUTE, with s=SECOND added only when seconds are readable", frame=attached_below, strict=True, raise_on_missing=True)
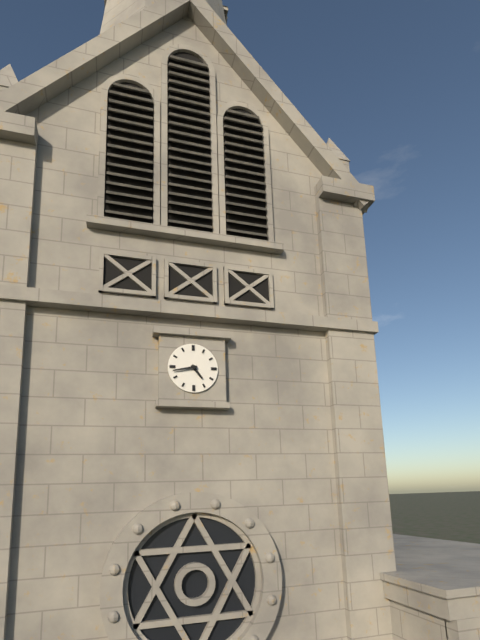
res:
h=4 m=43
